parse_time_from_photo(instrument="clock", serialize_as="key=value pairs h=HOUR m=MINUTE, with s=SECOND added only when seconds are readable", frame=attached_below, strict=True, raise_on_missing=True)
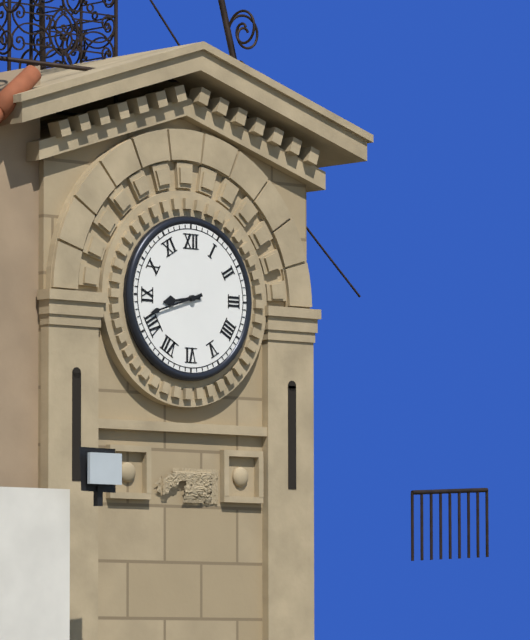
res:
h=8 m=42
